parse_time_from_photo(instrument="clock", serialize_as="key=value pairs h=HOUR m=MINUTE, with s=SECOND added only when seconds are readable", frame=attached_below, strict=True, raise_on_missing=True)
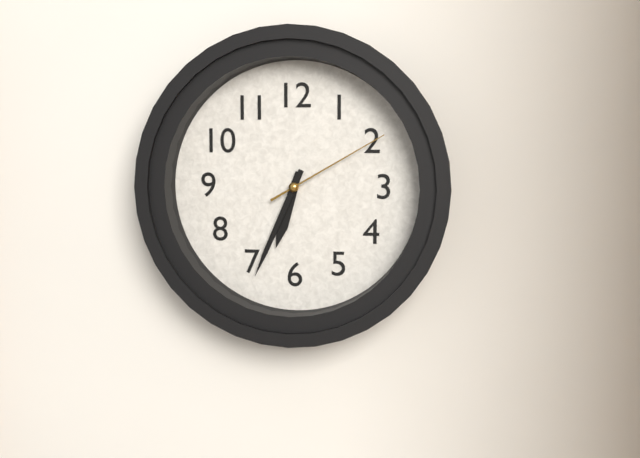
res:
h=6 m=34 s=10
